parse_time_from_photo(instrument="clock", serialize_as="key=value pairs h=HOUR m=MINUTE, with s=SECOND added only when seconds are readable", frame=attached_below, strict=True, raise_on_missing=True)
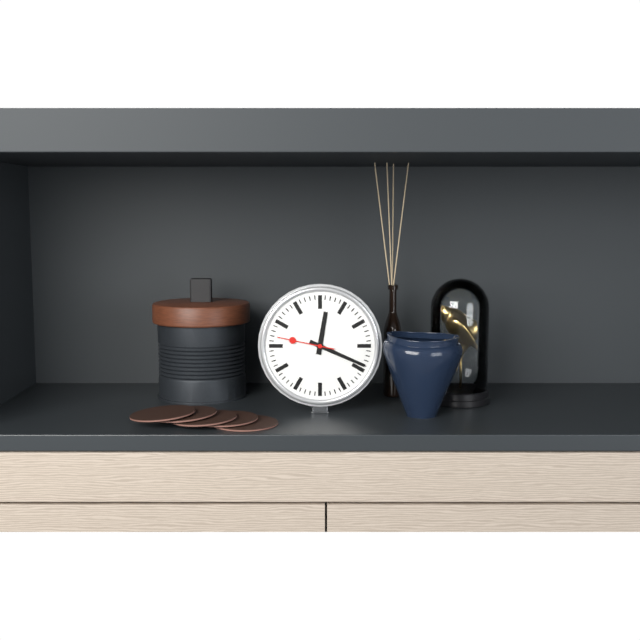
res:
h=12 m=19 s=47
